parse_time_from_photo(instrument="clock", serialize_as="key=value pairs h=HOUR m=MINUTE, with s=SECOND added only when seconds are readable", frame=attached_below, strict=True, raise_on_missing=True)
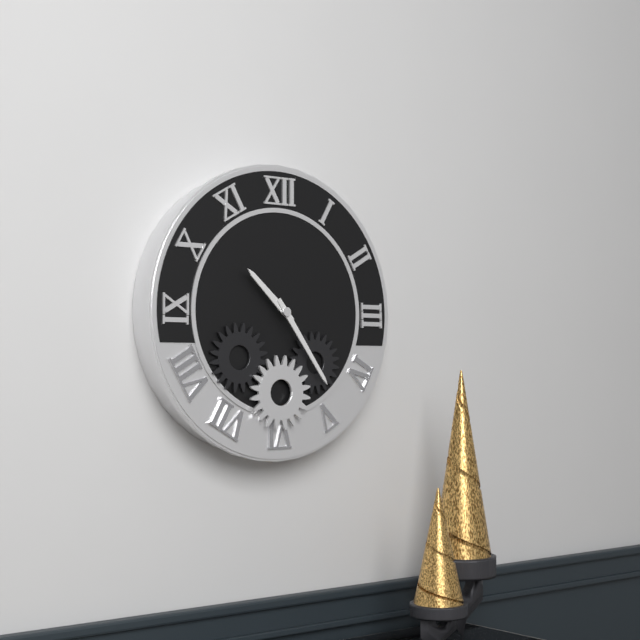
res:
h=10 m=24
